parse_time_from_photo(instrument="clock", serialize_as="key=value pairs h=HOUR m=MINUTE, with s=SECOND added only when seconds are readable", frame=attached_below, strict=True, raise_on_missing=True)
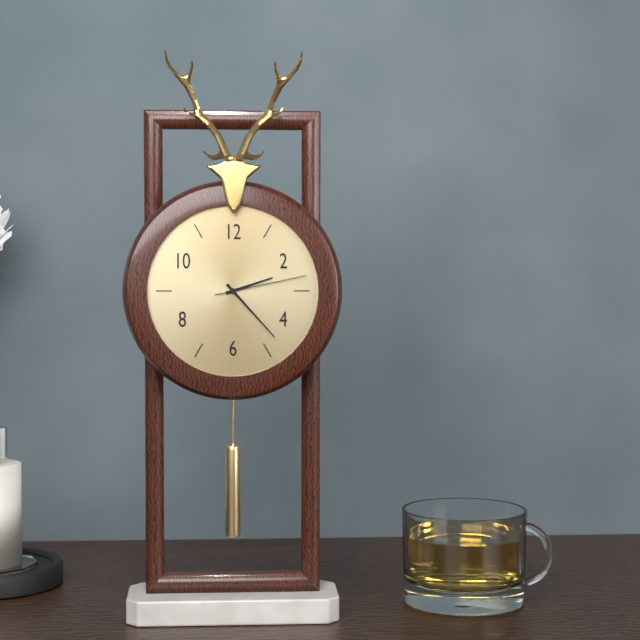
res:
h=2 m=23 s=13
